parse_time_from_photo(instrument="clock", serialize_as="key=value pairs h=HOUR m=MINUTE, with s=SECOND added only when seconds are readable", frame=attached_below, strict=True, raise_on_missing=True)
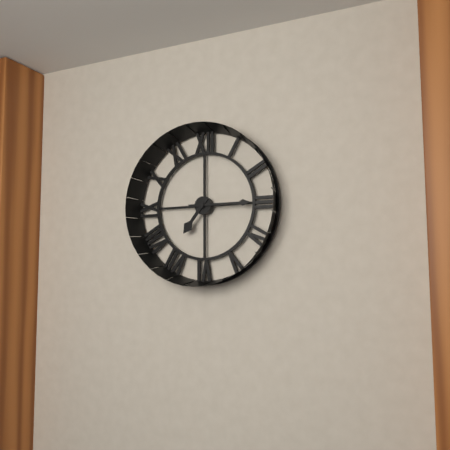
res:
h=7 m=15
